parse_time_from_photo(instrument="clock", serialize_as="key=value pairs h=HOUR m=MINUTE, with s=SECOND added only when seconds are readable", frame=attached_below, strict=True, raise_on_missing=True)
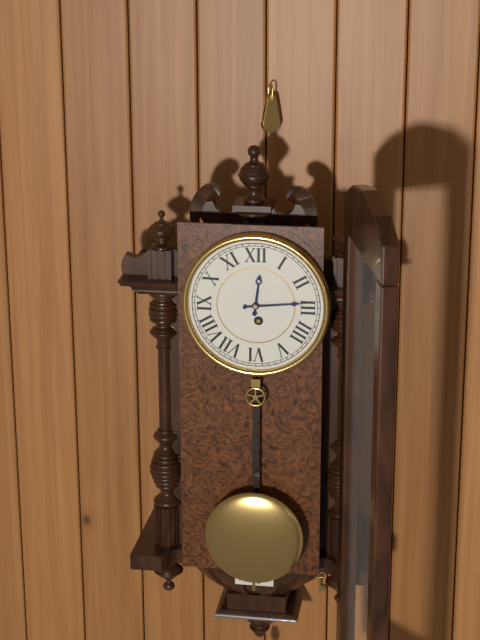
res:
h=12 m=14
